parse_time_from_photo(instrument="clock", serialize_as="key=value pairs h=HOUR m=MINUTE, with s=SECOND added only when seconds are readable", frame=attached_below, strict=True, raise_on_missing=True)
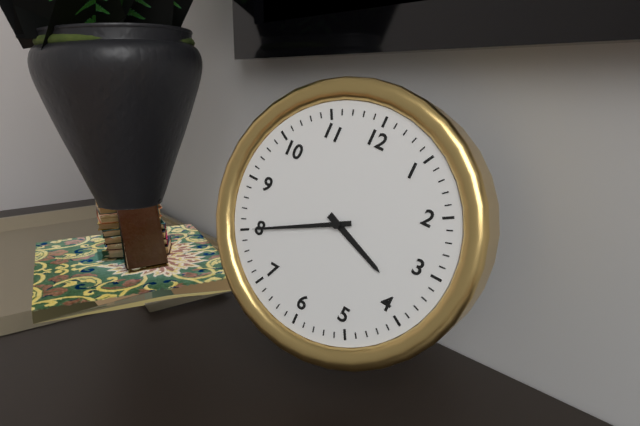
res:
h=3 m=40
